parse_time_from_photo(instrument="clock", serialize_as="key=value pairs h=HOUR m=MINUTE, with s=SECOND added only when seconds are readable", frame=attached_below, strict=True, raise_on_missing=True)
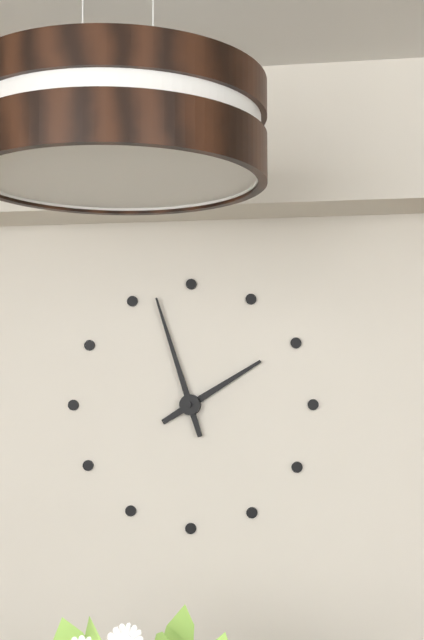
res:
h=1 m=57
